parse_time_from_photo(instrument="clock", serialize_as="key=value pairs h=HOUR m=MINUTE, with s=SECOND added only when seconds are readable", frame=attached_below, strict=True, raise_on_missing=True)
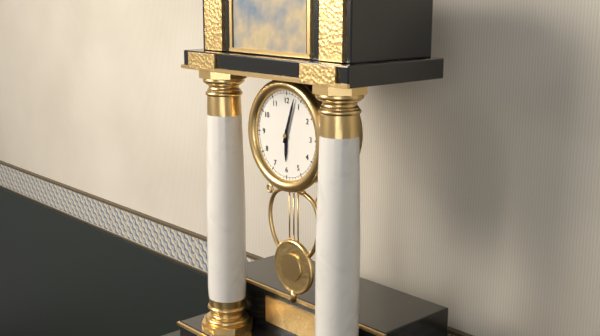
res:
h=6 m=3
